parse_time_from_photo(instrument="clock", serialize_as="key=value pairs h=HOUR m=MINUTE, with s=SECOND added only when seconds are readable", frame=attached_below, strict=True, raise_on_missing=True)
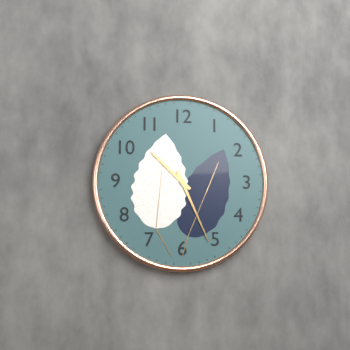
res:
h=10 m=26
